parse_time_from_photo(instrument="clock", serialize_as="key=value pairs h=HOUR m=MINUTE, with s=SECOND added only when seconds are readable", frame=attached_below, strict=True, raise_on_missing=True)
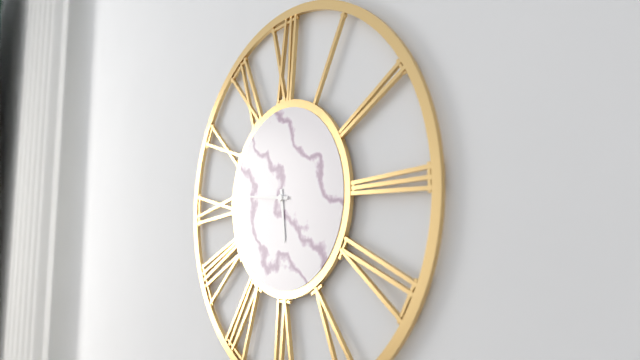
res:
h=5 m=46
